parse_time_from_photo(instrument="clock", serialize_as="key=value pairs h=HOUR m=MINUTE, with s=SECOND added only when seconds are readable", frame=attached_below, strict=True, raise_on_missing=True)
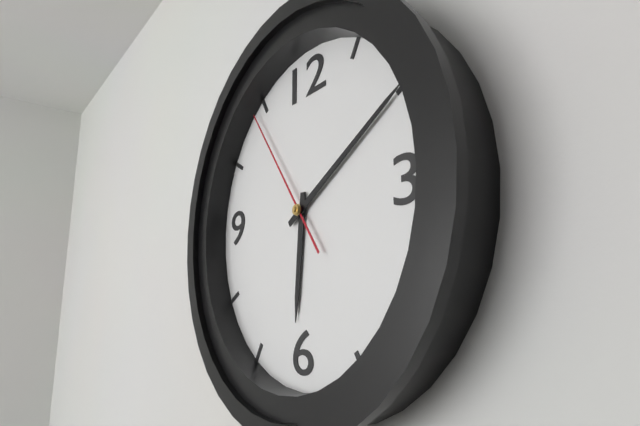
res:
h=6 m=10 s=54
